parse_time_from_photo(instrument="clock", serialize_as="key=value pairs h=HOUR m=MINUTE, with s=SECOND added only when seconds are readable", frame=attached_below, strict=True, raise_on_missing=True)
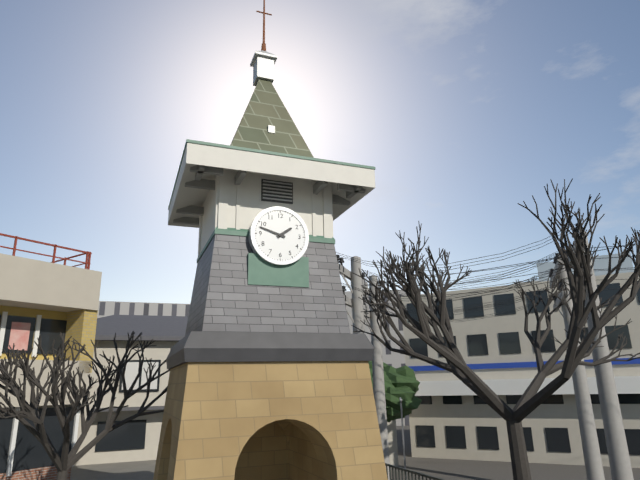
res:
h=1 m=48
